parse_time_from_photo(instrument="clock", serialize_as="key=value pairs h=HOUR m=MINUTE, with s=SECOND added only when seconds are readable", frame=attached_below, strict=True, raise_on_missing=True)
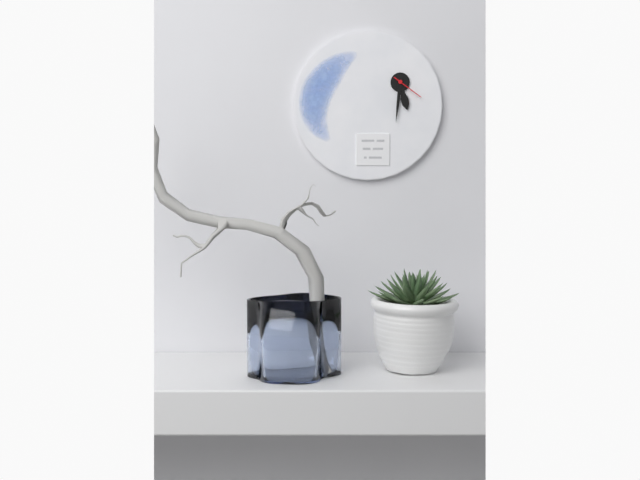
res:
h=5 m=31
